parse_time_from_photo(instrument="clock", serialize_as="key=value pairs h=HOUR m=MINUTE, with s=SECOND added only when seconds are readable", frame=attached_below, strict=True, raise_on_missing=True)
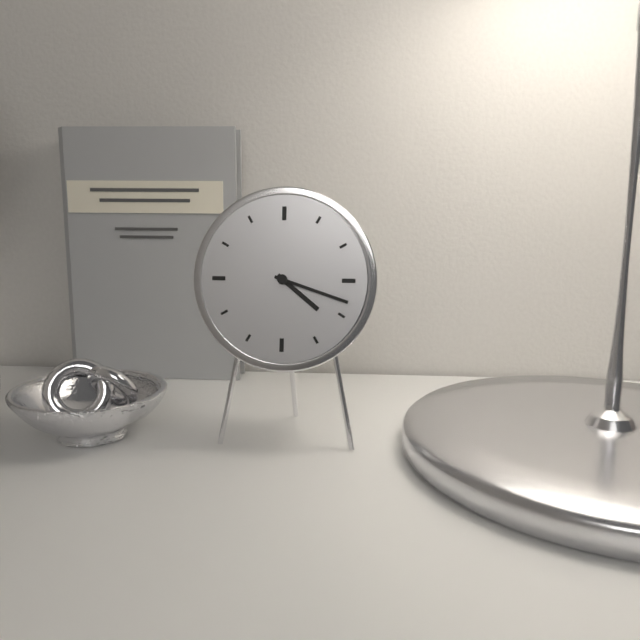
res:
h=4 m=18
